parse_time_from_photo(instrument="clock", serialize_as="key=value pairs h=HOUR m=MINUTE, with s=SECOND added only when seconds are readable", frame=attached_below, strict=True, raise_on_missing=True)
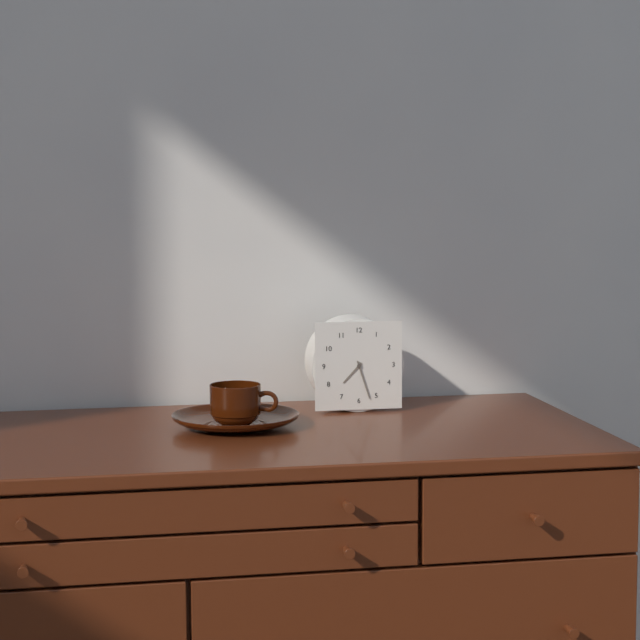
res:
h=7 m=27
